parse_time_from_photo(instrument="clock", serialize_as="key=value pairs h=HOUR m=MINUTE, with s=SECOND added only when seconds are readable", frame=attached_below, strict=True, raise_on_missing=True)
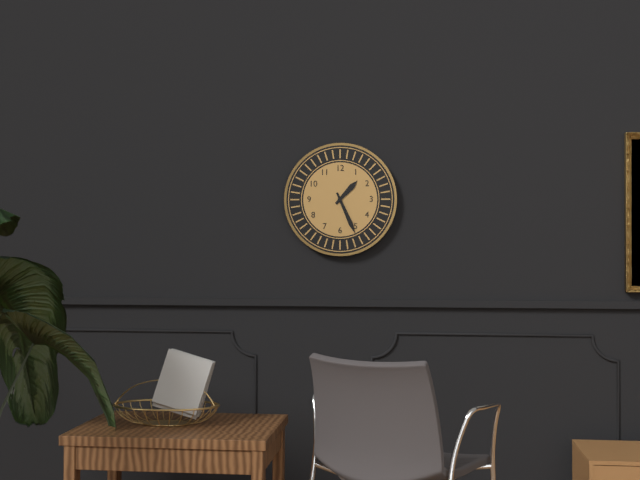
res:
h=1 m=26
